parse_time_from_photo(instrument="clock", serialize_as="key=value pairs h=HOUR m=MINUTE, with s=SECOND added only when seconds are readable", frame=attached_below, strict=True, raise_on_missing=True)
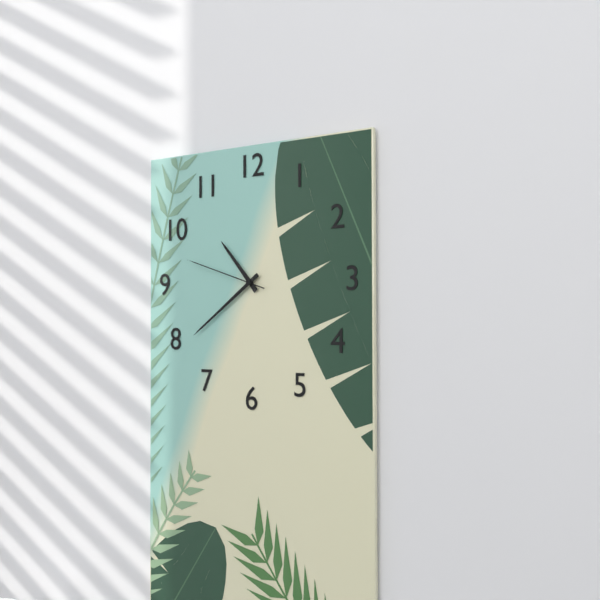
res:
h=10 m=39 s=48
